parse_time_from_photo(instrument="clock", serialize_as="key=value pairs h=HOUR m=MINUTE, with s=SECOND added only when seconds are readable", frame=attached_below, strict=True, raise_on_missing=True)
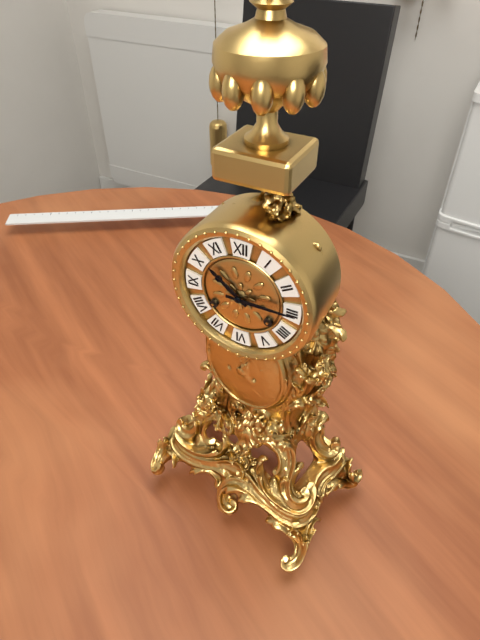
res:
h=10 m=15
